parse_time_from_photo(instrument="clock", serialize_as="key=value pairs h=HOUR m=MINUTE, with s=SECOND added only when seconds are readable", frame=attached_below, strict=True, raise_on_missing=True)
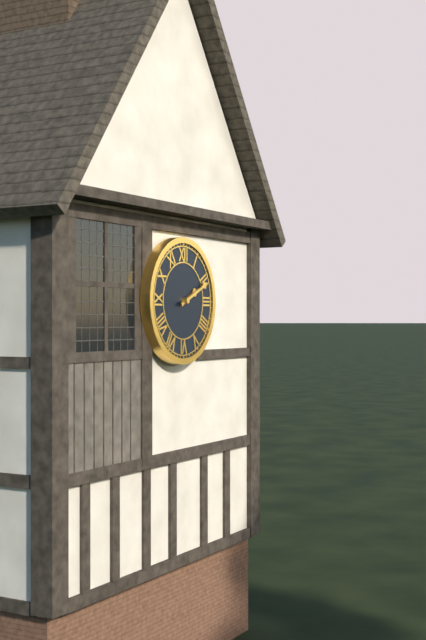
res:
h=2 m=11
